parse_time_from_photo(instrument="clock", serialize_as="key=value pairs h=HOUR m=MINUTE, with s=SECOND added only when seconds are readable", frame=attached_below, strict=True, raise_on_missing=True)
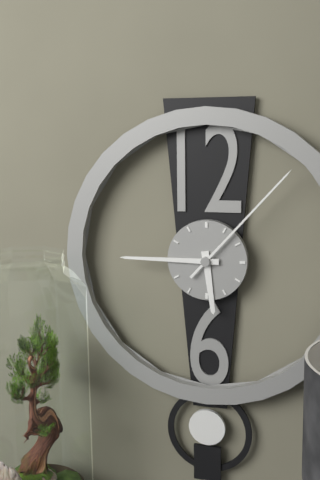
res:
h=5 m=45 s=7
